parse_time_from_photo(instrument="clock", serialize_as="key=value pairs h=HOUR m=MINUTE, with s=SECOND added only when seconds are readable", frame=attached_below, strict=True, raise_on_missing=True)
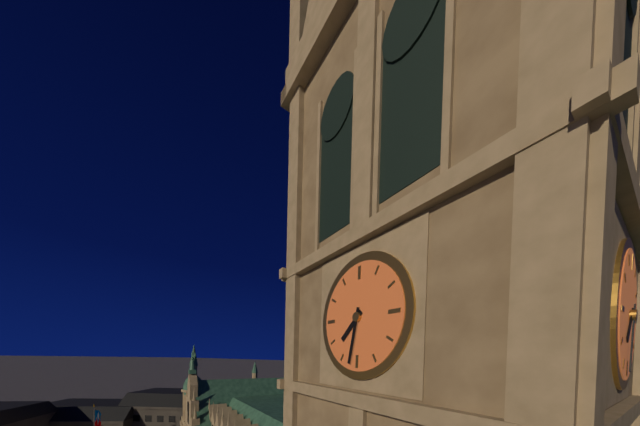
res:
h=7 m=32
